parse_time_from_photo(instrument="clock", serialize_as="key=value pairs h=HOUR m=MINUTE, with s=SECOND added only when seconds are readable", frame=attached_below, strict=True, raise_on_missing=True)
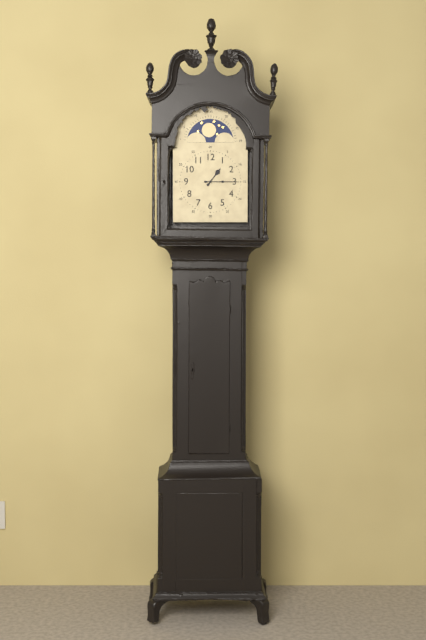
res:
h=1 m=15
